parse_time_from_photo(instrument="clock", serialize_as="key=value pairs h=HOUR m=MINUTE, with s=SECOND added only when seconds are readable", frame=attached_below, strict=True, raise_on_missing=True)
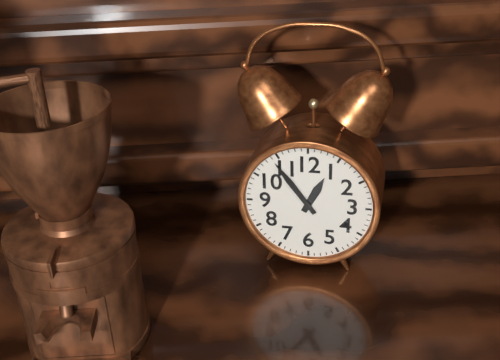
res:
h=12 m=54
